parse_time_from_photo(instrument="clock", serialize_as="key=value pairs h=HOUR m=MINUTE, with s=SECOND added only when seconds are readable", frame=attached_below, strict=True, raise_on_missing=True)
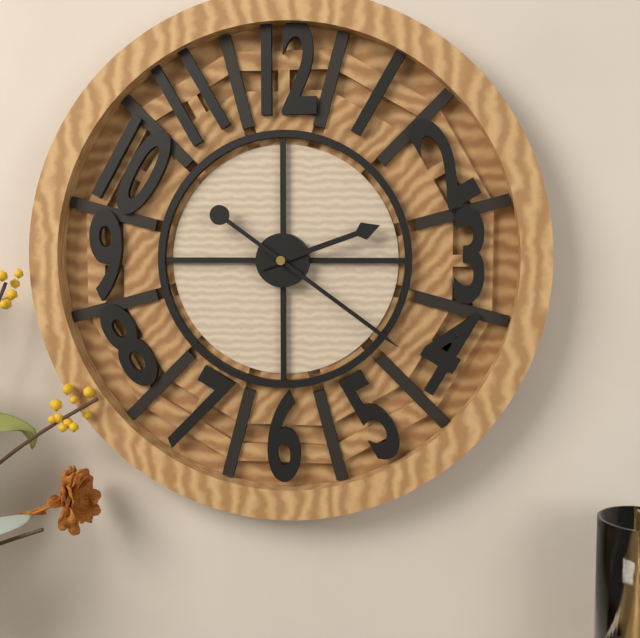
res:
h=2 m=21
